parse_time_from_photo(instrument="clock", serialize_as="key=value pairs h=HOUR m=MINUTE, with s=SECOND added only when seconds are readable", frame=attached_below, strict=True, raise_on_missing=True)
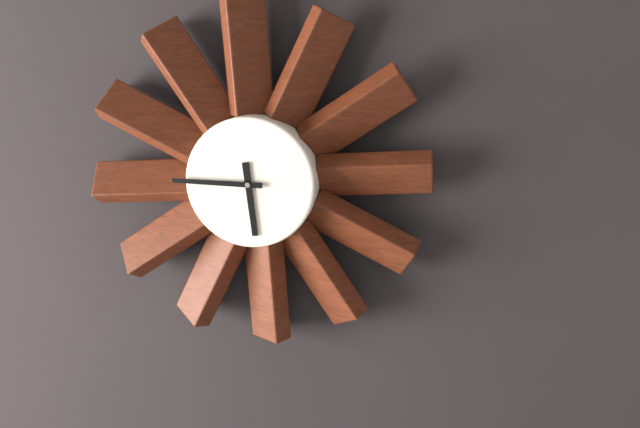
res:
h=5 m=45
